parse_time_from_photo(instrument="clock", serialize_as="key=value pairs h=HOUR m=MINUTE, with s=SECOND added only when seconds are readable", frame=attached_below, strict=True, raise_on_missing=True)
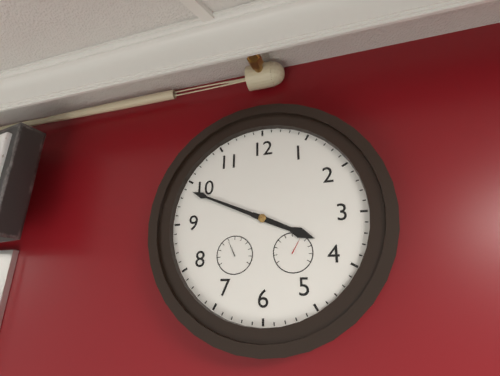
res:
h=3 m=49
